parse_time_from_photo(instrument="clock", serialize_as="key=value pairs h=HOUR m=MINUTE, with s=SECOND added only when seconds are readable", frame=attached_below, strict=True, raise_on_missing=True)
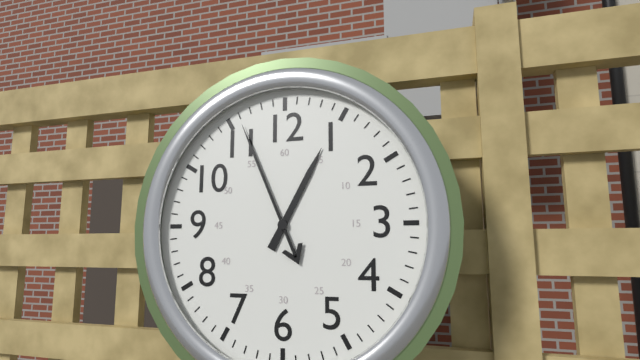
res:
h=12 m=56
